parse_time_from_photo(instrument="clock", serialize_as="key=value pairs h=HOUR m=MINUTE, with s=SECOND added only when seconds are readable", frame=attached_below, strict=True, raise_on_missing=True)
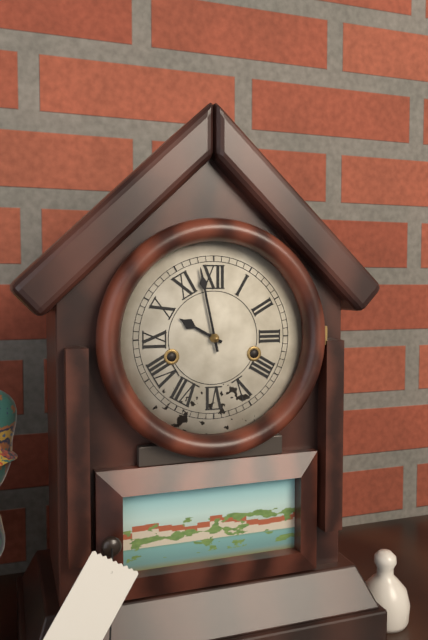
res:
h=9 m=58
